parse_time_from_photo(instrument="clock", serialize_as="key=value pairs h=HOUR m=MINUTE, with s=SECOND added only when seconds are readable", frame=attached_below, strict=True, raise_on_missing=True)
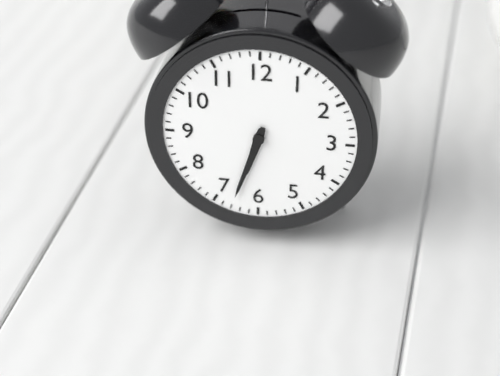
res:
h=6 m=33
